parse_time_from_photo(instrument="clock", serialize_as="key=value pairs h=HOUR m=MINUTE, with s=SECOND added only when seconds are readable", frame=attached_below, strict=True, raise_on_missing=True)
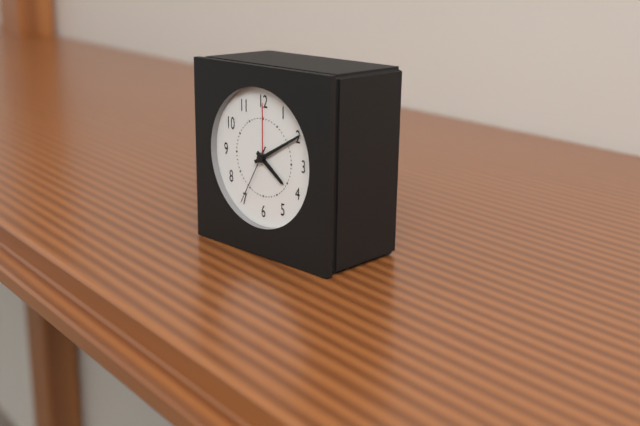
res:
h=4 m=10 s=35
